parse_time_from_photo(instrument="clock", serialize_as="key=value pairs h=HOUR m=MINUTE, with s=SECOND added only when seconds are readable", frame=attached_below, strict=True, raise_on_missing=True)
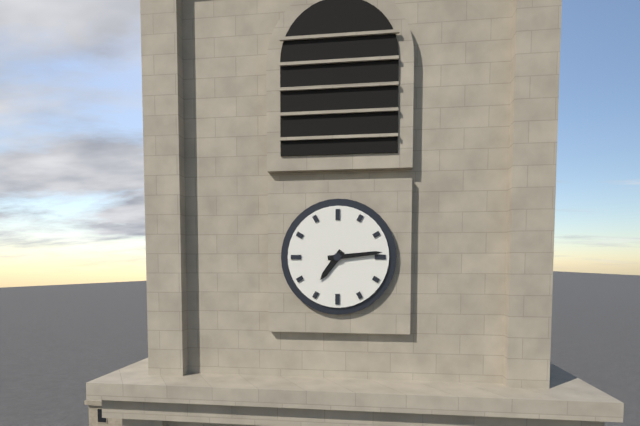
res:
h=7 m=14
